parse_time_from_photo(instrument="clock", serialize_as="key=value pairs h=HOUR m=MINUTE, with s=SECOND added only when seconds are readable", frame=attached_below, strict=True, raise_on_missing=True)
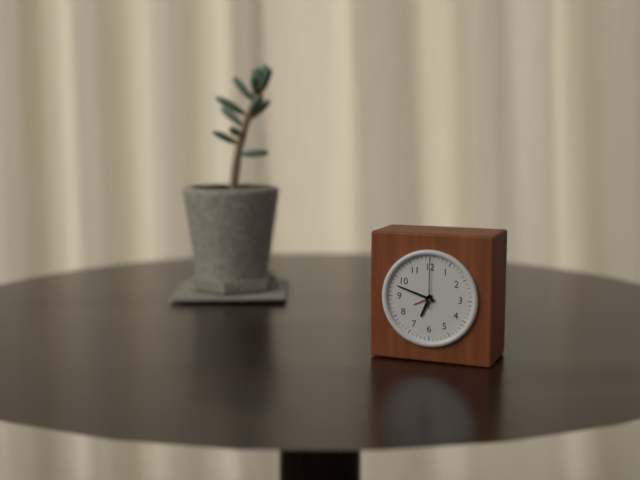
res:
h=6 m=48 s=0
